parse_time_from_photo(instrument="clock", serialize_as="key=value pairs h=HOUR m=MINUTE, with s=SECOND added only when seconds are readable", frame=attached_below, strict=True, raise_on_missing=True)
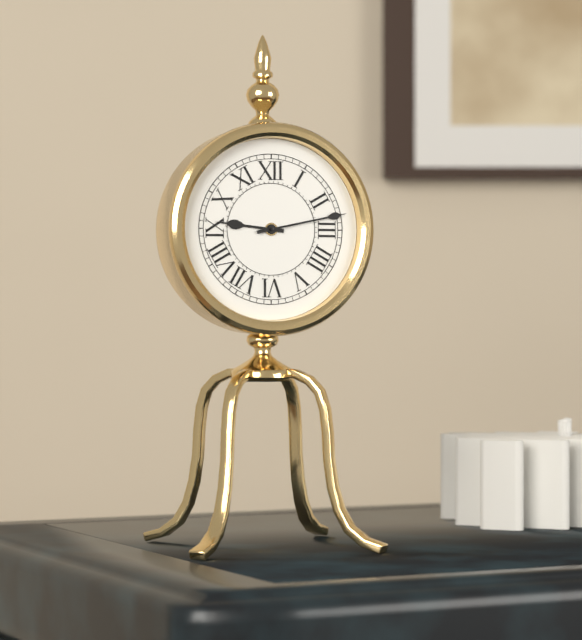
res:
h=9 m=13
